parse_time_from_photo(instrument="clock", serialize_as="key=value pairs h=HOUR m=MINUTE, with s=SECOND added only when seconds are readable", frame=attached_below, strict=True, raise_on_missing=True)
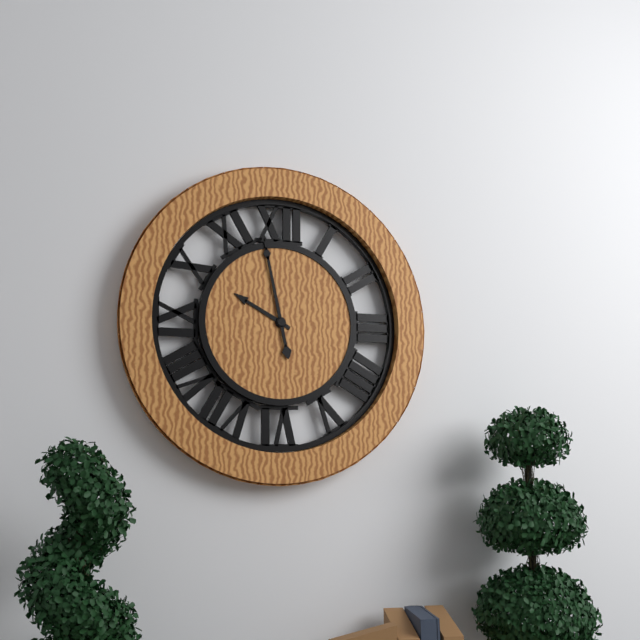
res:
h=9 m=58
